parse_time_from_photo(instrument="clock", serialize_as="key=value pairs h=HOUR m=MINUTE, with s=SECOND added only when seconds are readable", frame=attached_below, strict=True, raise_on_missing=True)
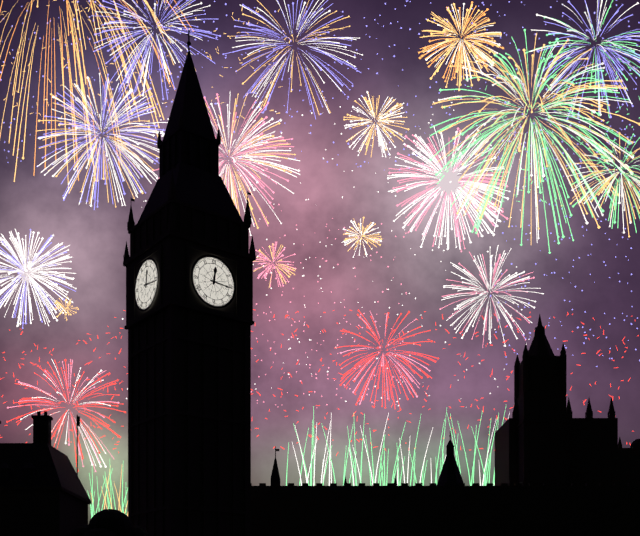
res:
h=12 m=16
